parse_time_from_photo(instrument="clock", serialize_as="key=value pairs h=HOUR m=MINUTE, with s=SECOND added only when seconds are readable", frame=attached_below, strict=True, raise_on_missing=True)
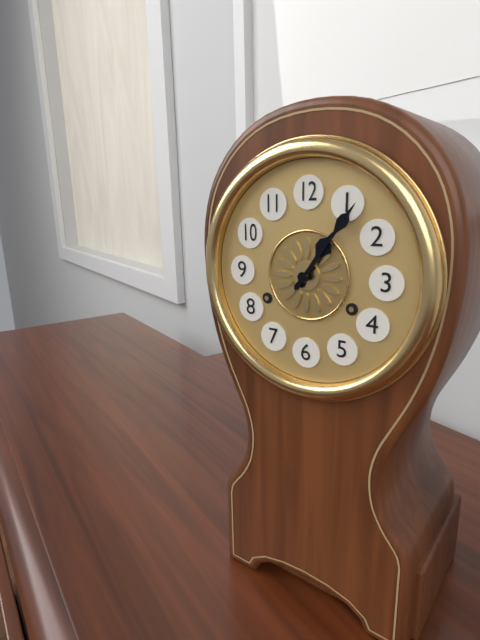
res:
h=1 m=6
